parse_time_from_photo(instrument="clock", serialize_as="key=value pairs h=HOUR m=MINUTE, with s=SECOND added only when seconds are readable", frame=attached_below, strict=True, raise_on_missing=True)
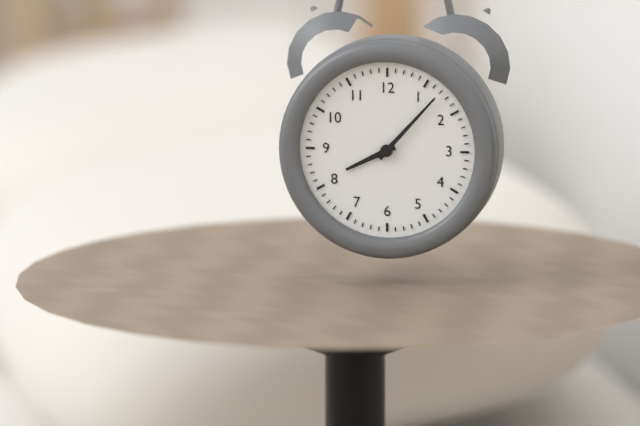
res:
h=8 m=7
